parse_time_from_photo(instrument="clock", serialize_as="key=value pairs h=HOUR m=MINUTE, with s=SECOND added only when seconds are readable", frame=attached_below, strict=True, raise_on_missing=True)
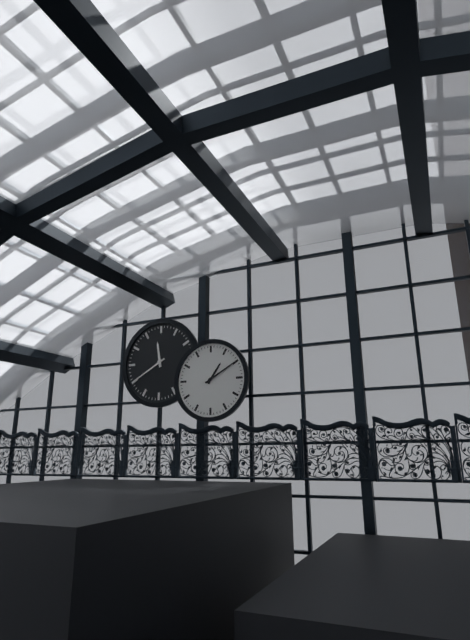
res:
h=1 m=10
